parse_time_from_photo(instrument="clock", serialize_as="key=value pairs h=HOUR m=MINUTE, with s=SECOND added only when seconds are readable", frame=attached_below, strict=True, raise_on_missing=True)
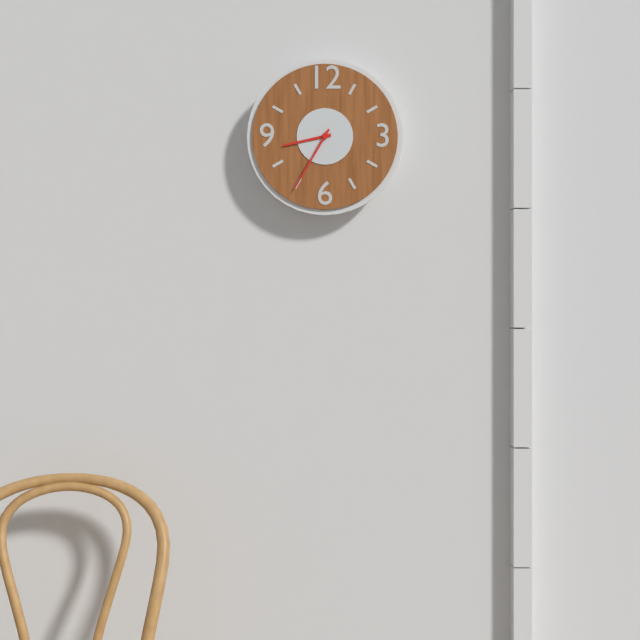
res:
h=8 m=35
